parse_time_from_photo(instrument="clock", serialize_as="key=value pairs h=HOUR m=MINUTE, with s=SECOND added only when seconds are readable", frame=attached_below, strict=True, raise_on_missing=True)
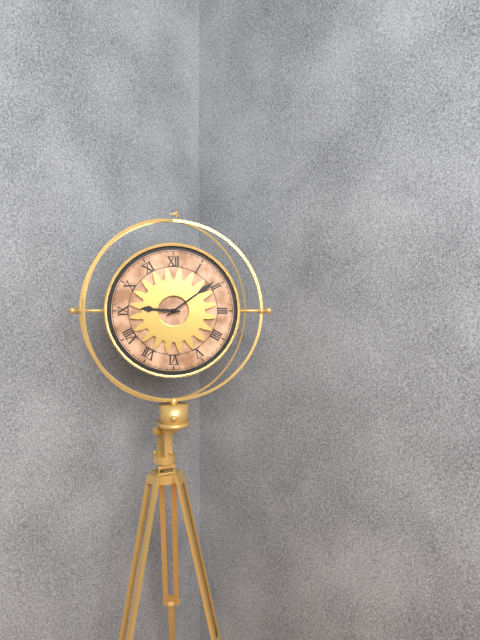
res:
h=9 m=9
